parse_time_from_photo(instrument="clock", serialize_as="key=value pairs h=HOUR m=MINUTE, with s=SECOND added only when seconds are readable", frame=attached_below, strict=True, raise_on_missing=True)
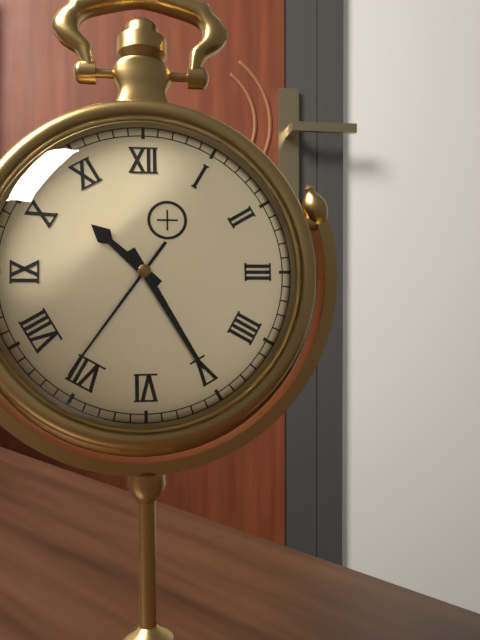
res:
h=10 m=25 s=36
